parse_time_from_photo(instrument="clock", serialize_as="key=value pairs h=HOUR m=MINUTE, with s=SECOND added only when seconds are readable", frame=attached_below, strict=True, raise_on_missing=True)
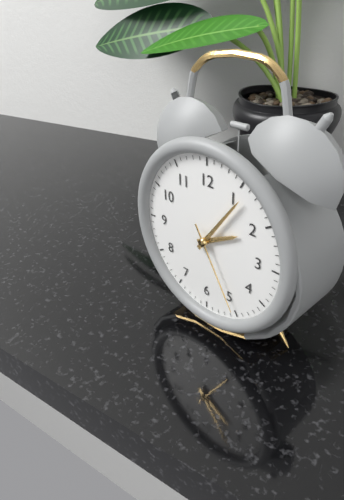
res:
h=2 m=6 s=25
